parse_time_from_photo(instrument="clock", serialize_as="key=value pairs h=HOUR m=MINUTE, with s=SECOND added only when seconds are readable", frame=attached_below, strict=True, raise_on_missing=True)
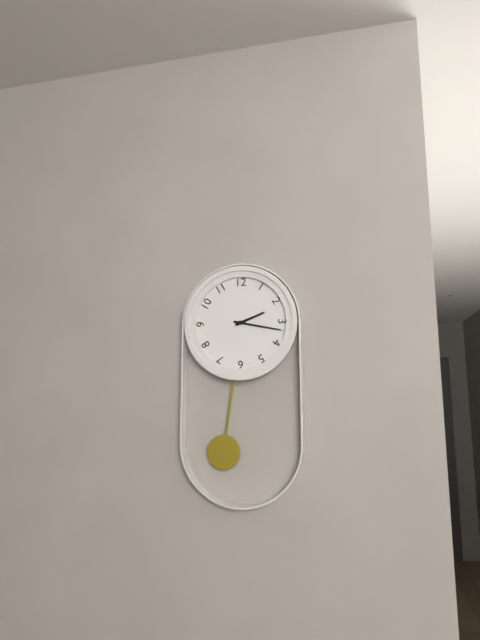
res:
h=2 m=17
